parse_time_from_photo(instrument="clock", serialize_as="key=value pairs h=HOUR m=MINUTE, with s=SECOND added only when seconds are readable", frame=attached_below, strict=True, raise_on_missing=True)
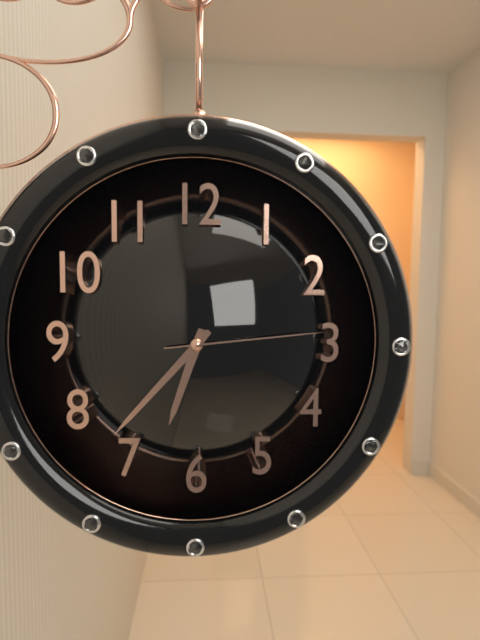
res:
h=6 m=37 s=14
